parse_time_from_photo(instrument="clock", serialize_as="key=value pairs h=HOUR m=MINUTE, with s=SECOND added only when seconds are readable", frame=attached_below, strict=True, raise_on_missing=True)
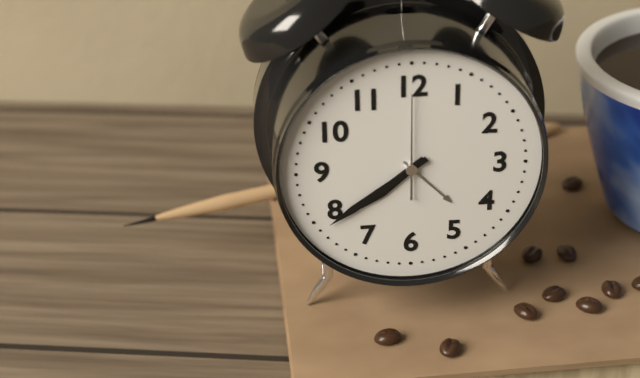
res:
h=7 m=39 s=0
